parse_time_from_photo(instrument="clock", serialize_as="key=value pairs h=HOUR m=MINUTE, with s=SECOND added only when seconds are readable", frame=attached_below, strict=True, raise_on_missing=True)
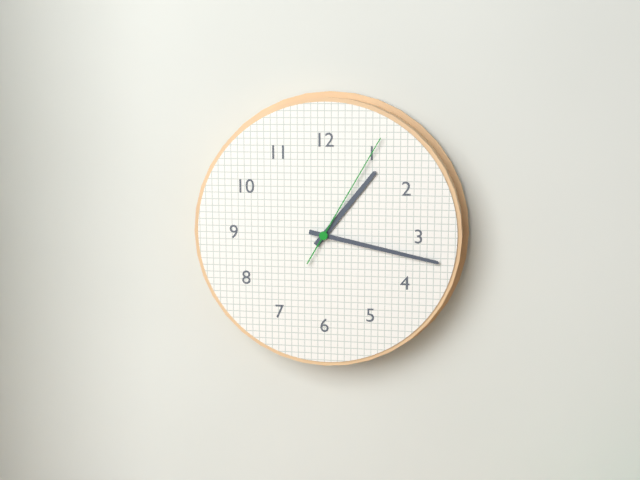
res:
h=1 m=17 s=5
